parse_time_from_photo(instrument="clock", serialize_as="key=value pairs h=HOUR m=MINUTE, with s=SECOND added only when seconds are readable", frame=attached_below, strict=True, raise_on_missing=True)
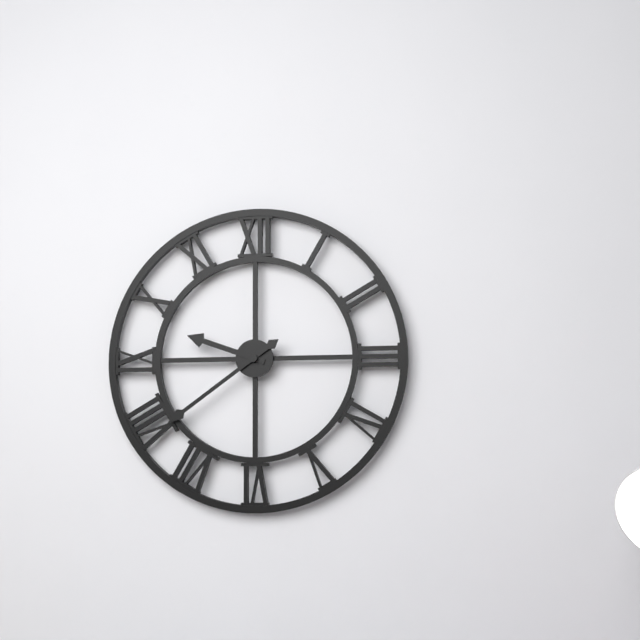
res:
h=9 m=39
